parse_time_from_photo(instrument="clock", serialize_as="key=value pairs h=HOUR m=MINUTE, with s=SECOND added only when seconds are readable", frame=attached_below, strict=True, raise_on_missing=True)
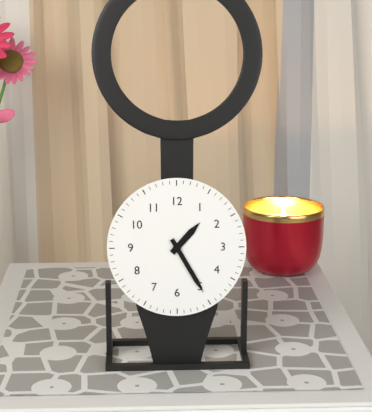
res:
h=1 m=25
